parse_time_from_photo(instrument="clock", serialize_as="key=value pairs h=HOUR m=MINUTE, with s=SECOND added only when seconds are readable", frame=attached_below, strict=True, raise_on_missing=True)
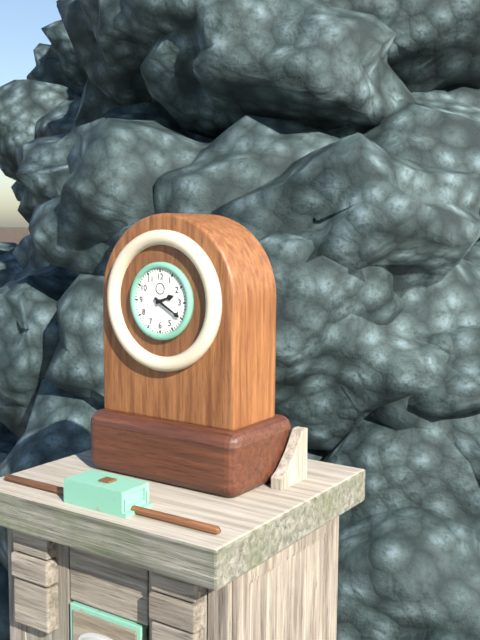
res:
h=2 m=20
